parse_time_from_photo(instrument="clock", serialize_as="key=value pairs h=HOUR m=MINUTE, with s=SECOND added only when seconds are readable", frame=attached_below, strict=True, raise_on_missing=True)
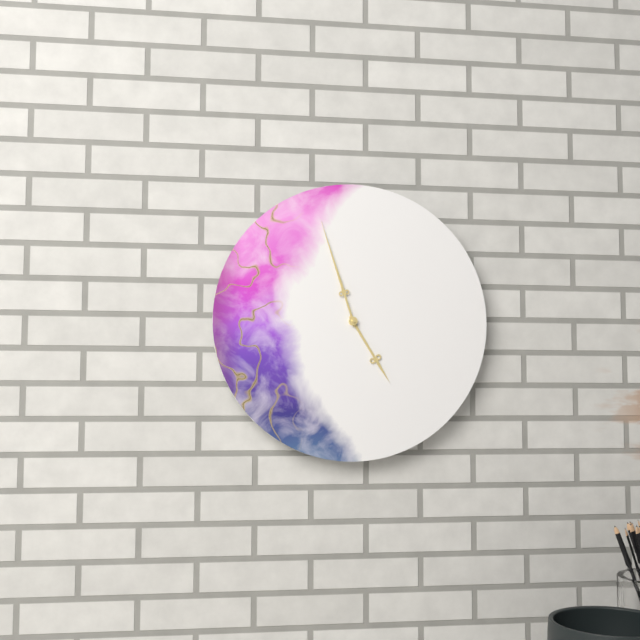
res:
h=4 m=57
